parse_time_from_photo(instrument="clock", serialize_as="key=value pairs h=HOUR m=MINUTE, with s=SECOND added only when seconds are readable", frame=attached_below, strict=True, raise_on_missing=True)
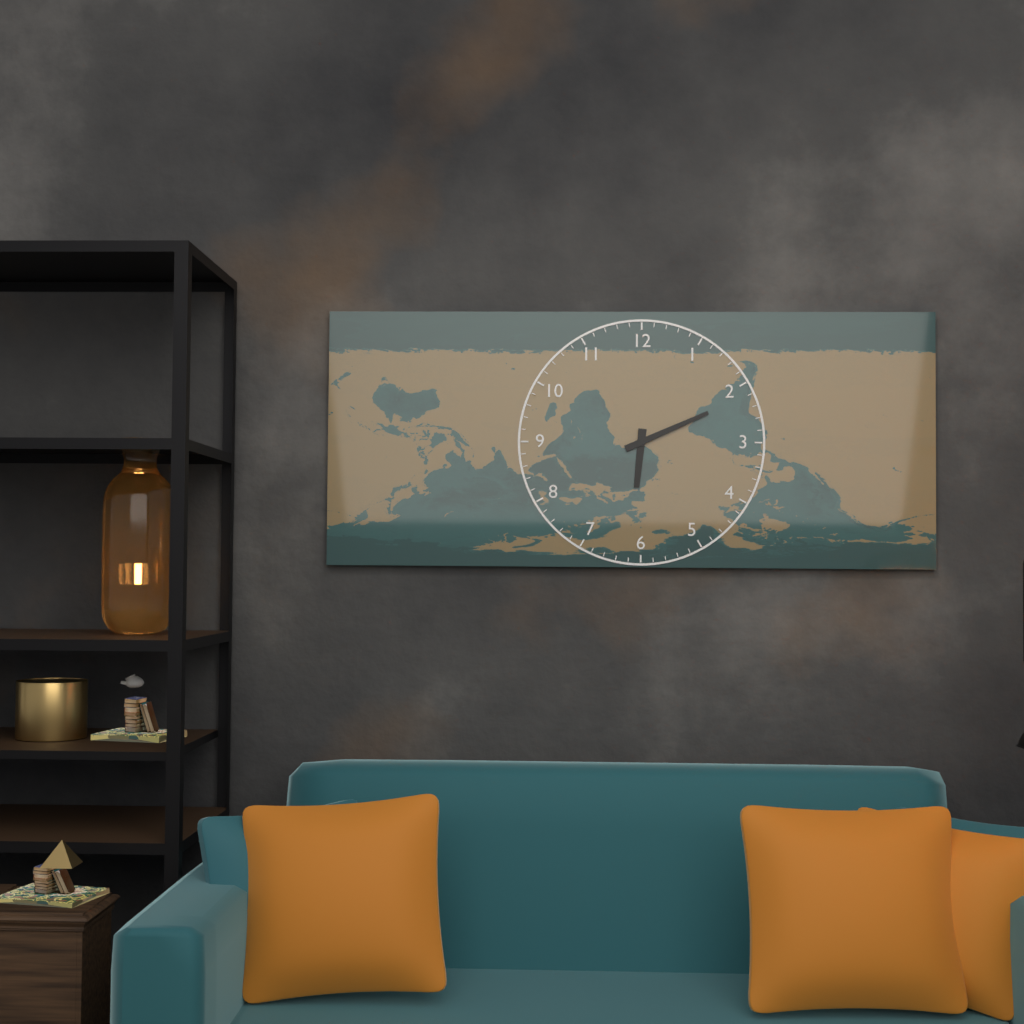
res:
h=6 m=11
